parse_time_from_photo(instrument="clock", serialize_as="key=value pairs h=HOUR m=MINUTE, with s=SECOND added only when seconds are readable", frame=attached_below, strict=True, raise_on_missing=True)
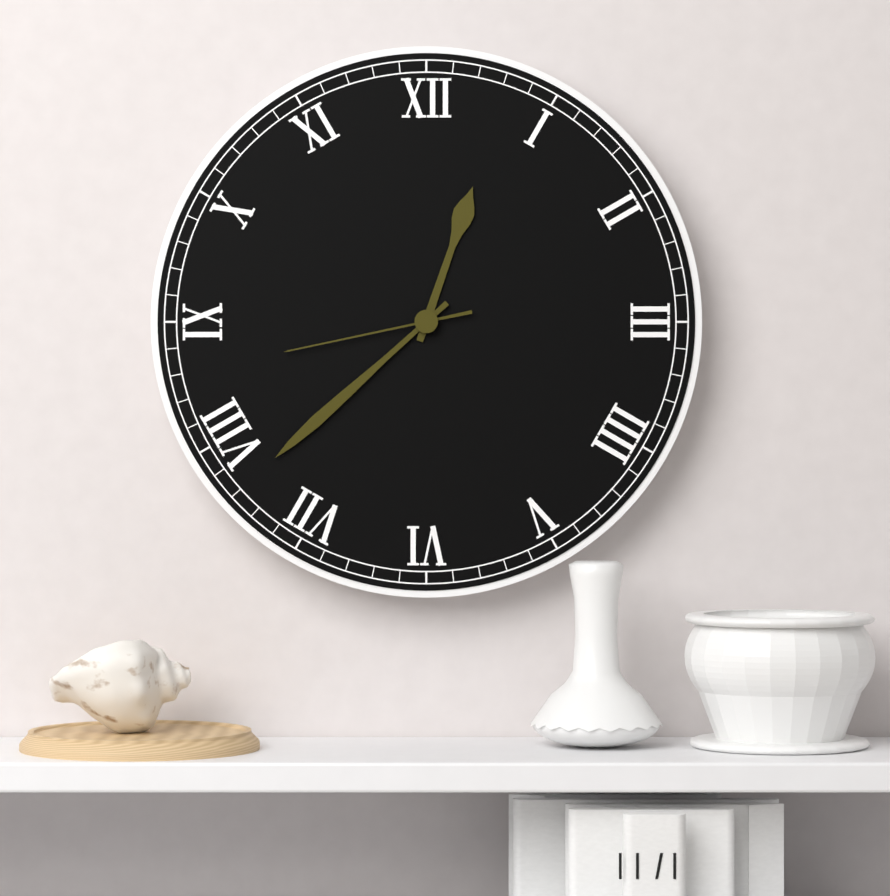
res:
h=12 m=38 s=43
